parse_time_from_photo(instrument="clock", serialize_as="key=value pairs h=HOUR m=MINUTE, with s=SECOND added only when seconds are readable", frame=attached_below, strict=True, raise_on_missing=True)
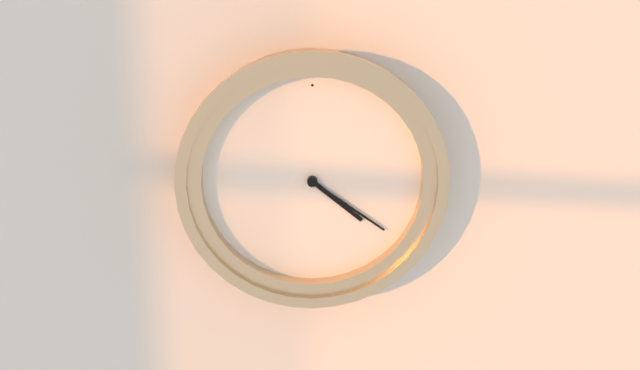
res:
h=4 m=21
